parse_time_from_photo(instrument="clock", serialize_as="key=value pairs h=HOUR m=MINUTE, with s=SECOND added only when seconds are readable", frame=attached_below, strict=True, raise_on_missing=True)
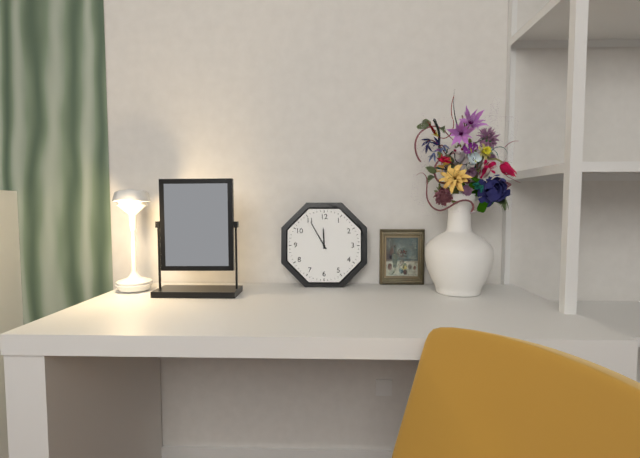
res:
h=11 m=55
